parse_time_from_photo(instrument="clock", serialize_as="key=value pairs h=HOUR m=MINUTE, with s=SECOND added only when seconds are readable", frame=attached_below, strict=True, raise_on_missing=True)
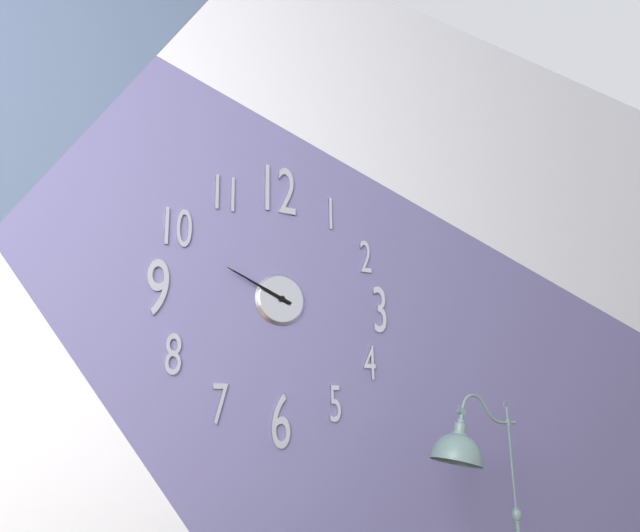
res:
h=9 m=49
